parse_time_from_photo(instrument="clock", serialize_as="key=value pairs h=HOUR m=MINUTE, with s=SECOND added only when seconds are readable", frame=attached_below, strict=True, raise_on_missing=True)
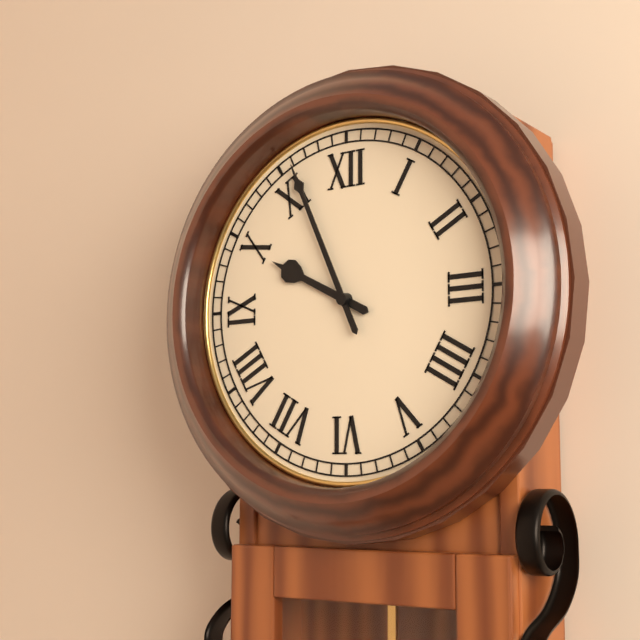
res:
h=9 m=56
